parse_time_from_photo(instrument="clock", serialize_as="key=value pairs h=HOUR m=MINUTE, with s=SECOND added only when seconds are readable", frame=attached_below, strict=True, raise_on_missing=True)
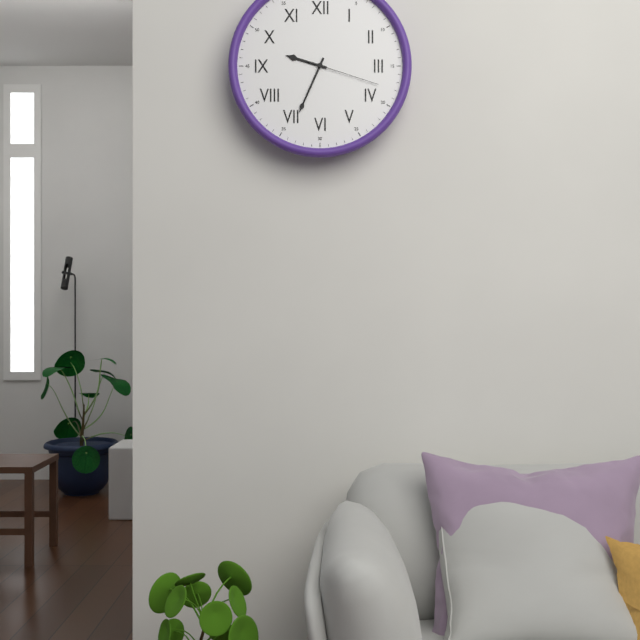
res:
h=9 m=34 s=18
